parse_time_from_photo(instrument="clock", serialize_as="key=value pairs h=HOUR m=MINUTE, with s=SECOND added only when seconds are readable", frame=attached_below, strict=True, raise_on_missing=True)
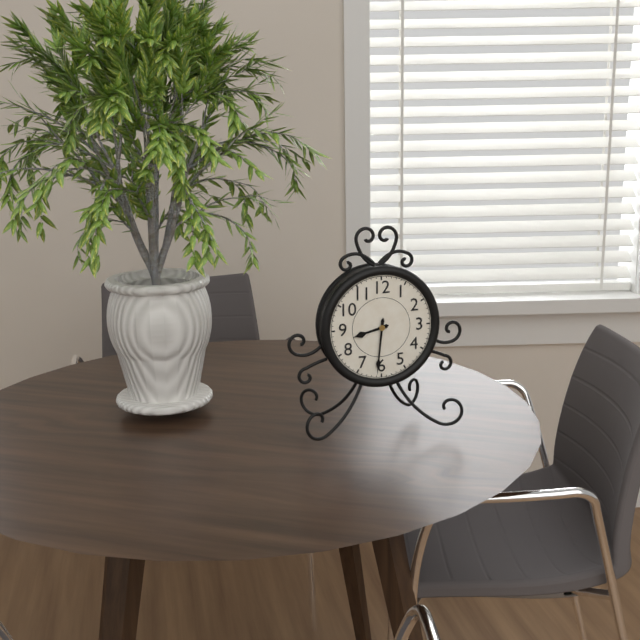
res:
h=8 m=31
